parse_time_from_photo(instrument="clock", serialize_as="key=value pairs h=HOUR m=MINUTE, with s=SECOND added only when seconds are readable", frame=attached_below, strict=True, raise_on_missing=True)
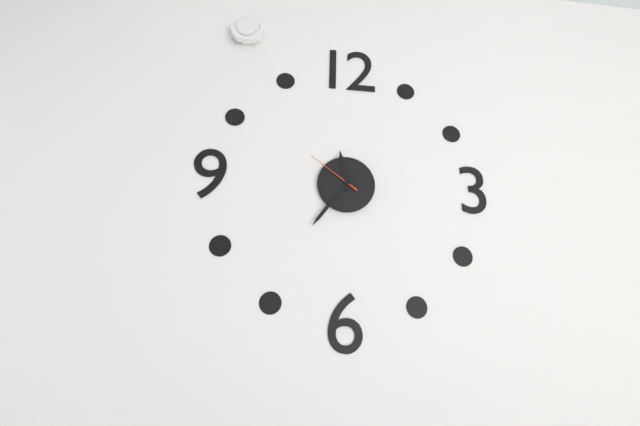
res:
h=11 m=36 s=51
